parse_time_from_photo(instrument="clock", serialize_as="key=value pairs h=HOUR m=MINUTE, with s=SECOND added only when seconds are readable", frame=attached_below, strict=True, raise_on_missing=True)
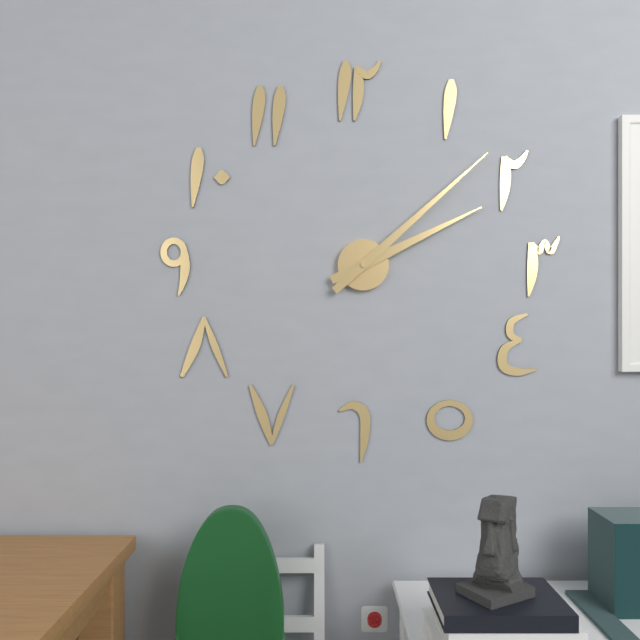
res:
h=2 m=8
